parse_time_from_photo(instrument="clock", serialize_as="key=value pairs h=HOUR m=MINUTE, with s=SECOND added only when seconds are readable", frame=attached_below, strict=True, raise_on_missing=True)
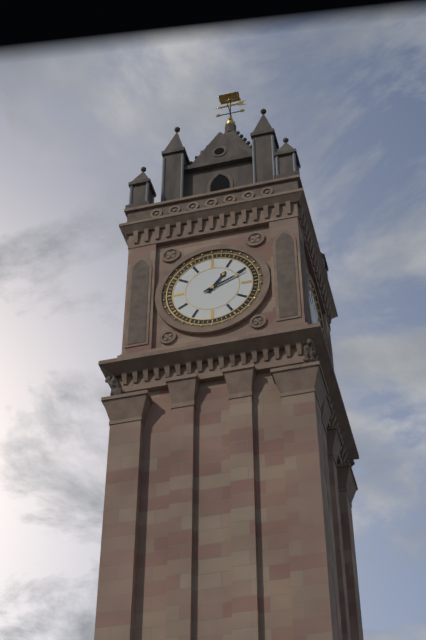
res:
h=1 m=11
